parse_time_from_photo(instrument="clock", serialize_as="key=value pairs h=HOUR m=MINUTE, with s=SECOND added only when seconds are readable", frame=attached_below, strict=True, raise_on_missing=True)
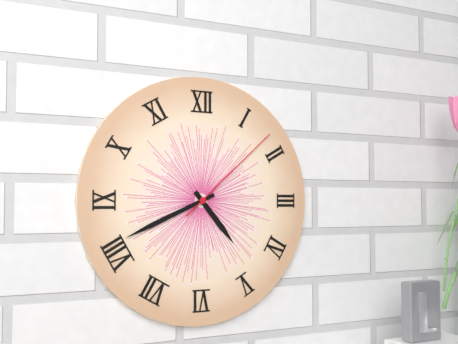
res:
h=4 m=41 s=8
